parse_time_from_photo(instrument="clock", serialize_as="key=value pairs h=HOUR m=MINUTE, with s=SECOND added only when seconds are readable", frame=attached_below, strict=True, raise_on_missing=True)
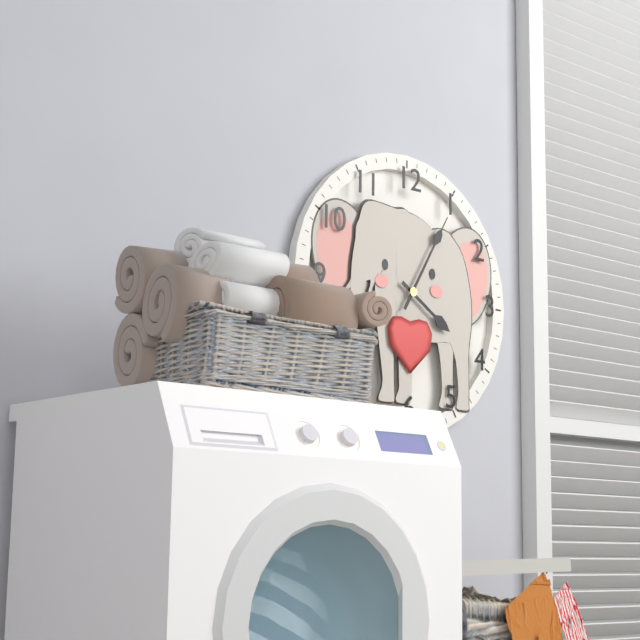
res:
h=4 m=5
